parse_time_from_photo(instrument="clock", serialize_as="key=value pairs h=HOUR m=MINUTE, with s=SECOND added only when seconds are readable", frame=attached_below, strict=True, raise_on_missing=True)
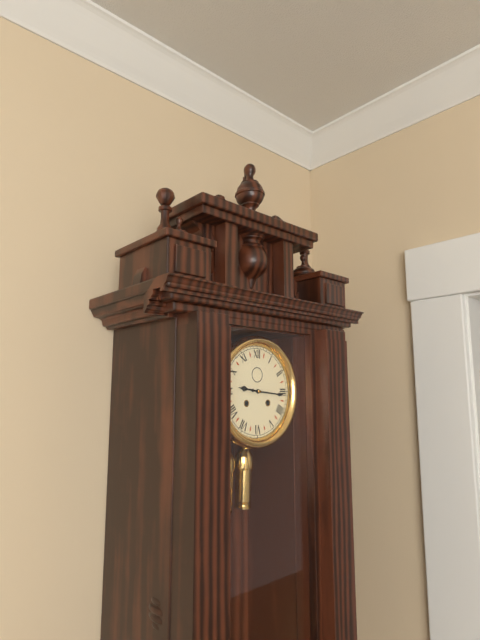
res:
h=9 m=16
